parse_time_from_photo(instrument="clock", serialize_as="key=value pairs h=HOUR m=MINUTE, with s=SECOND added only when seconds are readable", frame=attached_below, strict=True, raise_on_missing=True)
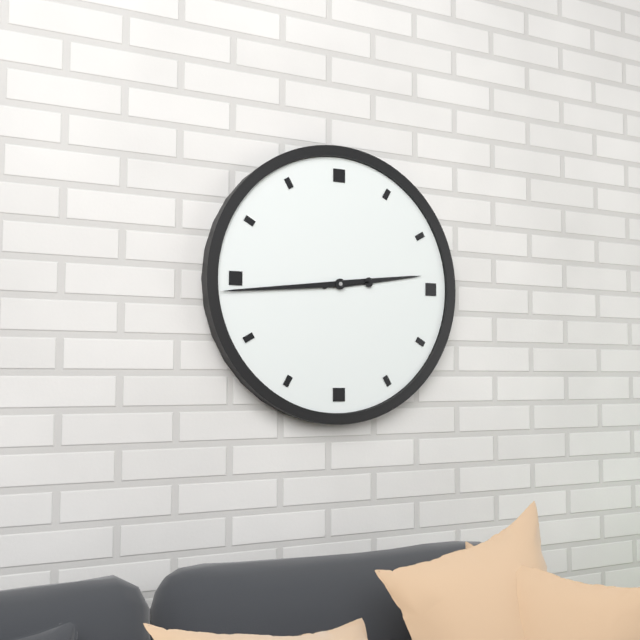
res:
h=2 m=44
